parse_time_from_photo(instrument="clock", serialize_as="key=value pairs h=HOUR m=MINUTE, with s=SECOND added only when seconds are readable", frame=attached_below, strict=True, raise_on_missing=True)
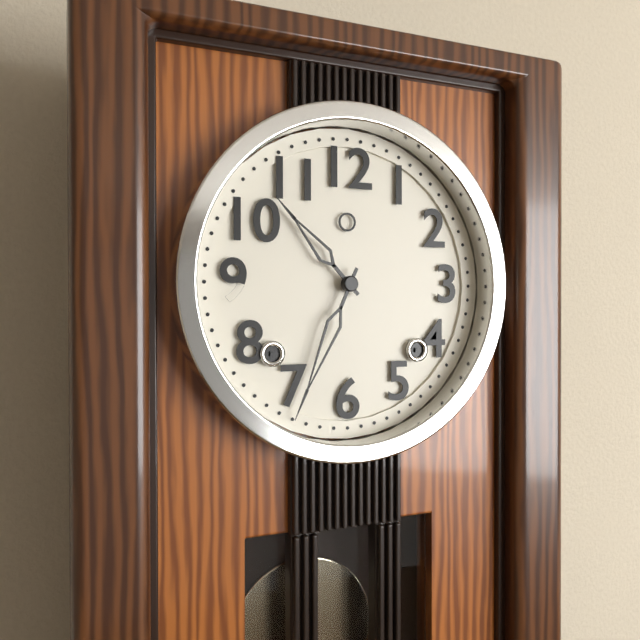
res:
h=10 m=34
